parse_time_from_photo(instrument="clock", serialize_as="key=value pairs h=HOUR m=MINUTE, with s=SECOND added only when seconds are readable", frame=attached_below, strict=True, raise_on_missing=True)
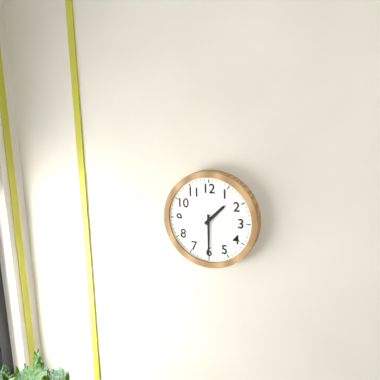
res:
h=1 m=30
